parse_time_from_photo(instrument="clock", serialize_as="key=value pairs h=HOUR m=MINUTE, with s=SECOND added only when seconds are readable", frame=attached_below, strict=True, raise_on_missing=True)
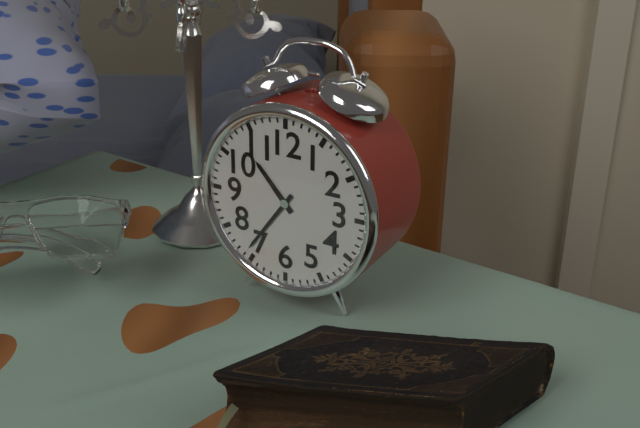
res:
h=10 m=36
